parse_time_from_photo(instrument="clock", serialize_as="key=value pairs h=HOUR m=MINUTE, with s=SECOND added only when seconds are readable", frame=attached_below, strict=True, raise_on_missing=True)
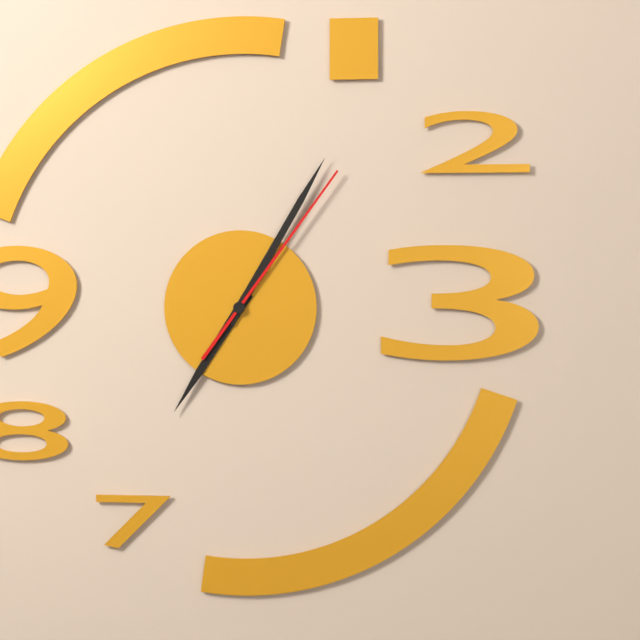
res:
h=7 m=5 s=6
